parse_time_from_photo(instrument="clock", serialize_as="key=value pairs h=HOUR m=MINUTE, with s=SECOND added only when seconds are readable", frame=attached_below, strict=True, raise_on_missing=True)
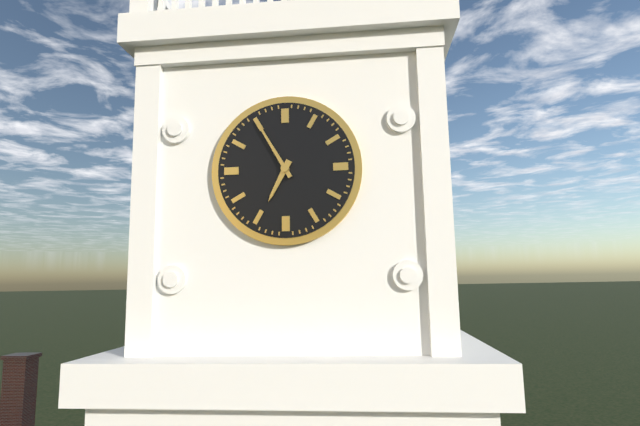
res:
h=6 m=55
